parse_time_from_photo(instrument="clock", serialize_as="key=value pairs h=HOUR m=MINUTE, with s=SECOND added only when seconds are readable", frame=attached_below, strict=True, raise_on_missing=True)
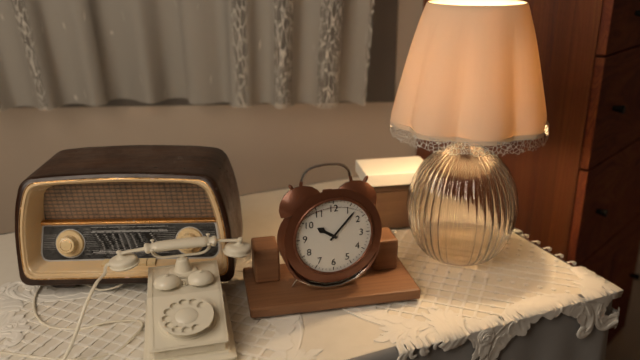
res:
h=10 m=7
